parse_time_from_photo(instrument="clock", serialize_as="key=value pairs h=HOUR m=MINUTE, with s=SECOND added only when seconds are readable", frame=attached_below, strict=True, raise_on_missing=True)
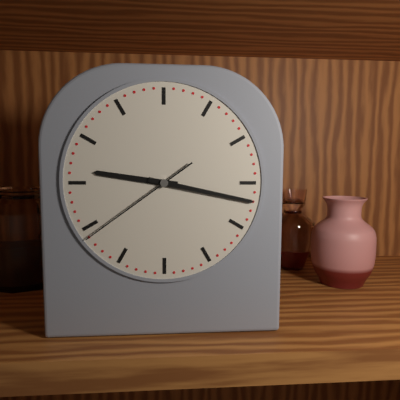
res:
h=9 m=17 s=39
